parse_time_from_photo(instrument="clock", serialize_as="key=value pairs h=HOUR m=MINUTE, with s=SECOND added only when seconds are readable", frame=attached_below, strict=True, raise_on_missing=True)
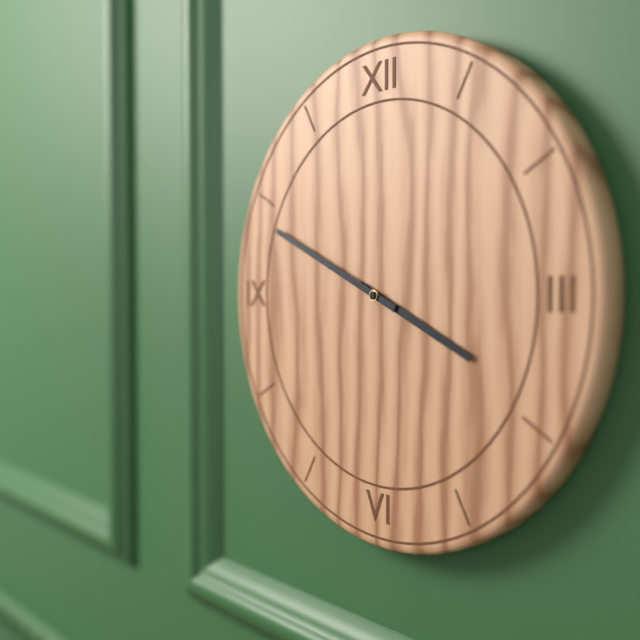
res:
h=3 m=49
